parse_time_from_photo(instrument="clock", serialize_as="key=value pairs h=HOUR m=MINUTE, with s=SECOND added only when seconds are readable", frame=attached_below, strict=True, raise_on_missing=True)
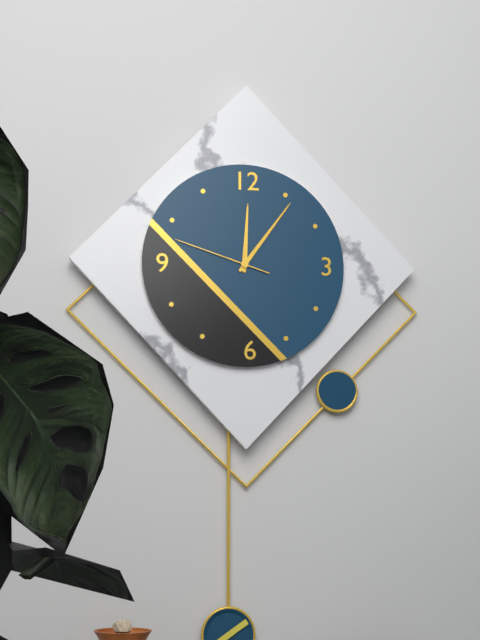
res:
h=12 m=6 s=48
